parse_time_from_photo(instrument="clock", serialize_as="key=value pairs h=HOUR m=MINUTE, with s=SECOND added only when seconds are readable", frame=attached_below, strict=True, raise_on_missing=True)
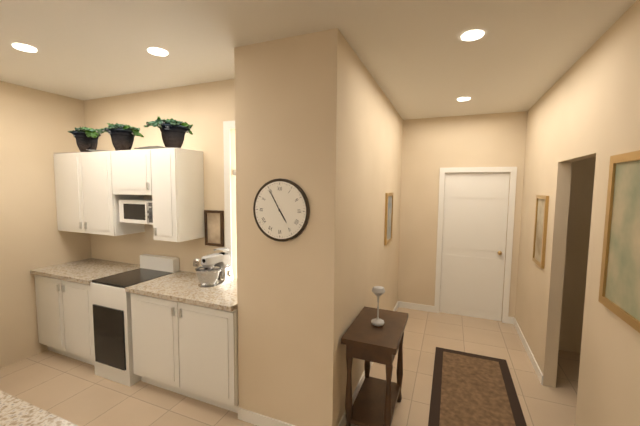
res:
h=4 m=55
